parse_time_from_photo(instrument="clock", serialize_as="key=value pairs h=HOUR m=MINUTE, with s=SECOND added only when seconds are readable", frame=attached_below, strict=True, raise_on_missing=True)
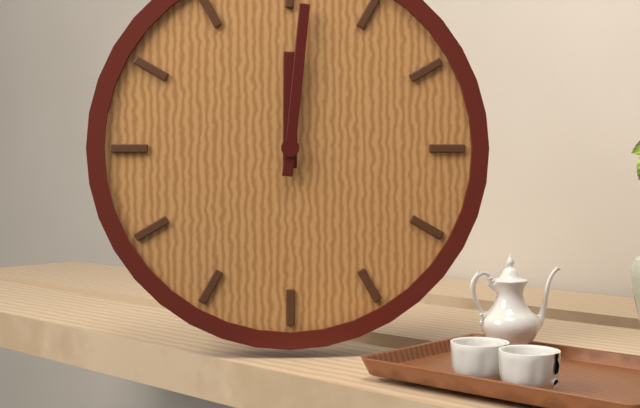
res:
h=12 m=1
